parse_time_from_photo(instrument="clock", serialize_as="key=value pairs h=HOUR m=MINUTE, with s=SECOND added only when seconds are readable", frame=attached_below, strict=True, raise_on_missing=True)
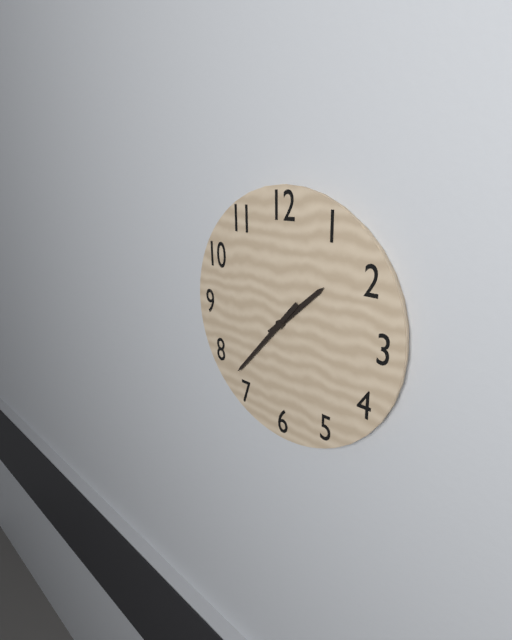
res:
h=1 m=37
